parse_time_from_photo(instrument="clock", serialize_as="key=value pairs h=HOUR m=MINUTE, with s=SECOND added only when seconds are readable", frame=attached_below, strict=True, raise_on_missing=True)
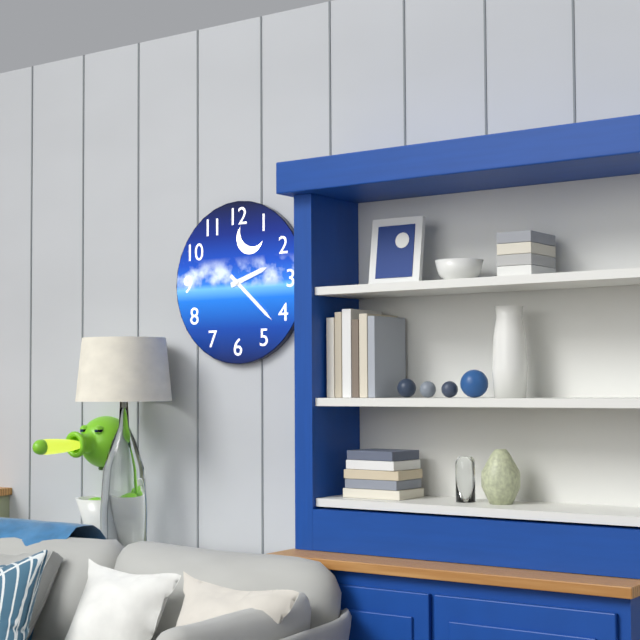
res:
h=2 m=22
